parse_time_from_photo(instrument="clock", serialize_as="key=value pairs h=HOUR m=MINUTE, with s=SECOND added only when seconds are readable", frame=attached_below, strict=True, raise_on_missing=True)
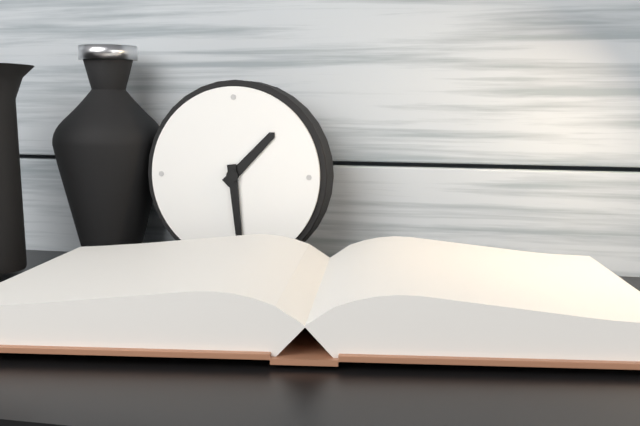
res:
h=1 m=29
